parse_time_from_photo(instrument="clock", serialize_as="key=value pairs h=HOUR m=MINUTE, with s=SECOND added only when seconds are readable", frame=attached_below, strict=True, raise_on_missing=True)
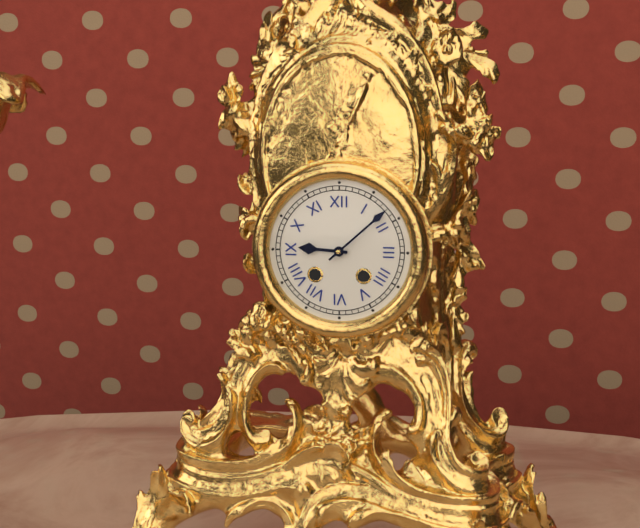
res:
h=9 m=8
